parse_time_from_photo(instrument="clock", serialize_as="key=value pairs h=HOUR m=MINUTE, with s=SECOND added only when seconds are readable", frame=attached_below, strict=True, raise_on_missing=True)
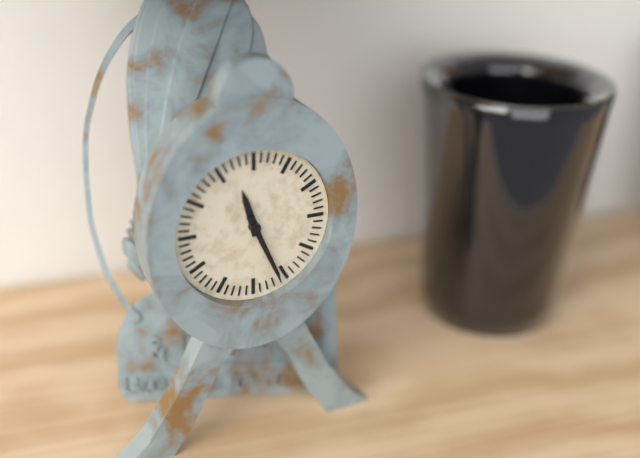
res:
h=11 m=26
